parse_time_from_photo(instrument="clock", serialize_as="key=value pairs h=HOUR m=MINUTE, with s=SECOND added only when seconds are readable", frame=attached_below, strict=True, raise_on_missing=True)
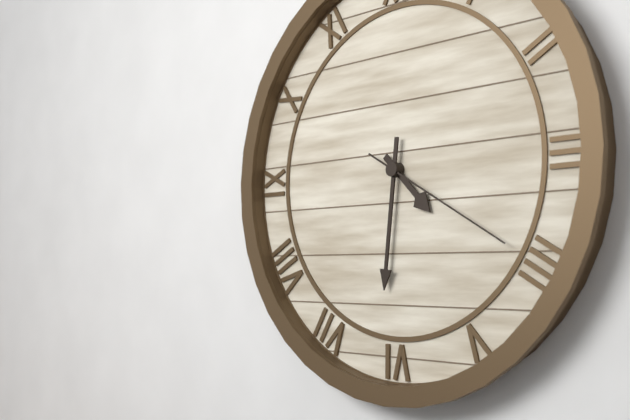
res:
h=4 m=31 s=20
